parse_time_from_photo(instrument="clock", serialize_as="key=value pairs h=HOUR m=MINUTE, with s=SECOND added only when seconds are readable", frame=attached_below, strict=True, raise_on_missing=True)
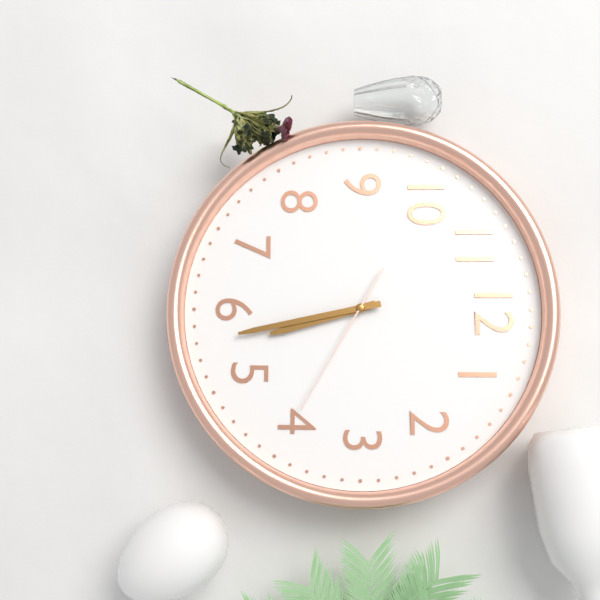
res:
h=5 m=28 s=20
